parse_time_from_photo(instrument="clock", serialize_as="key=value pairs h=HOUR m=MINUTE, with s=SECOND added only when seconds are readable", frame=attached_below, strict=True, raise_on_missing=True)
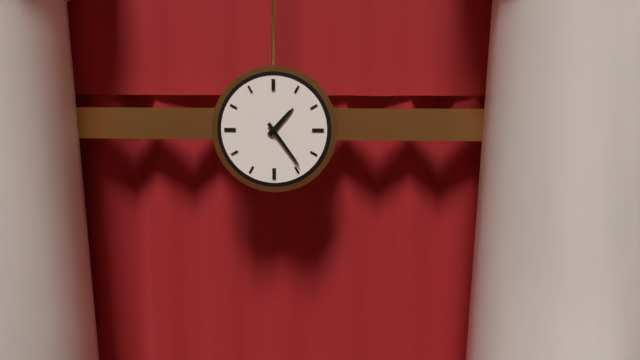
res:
h=1 m=24
